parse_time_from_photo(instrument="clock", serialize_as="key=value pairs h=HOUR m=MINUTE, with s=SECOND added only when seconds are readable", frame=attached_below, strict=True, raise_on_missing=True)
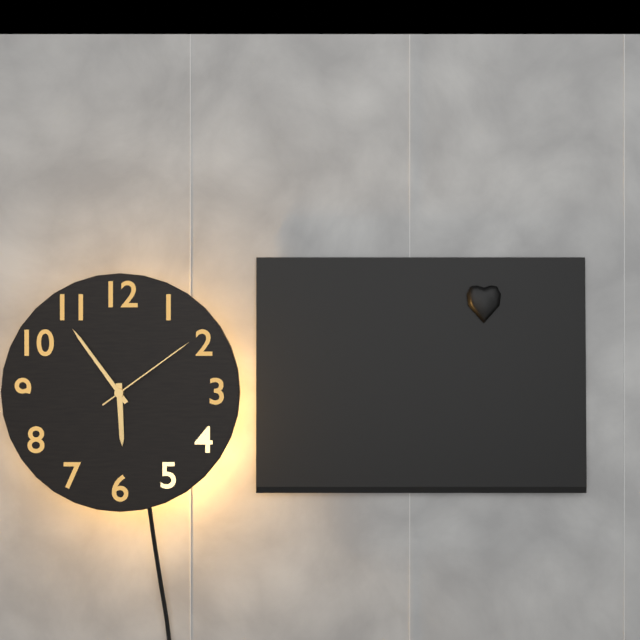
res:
h=5 m=54 s=9
